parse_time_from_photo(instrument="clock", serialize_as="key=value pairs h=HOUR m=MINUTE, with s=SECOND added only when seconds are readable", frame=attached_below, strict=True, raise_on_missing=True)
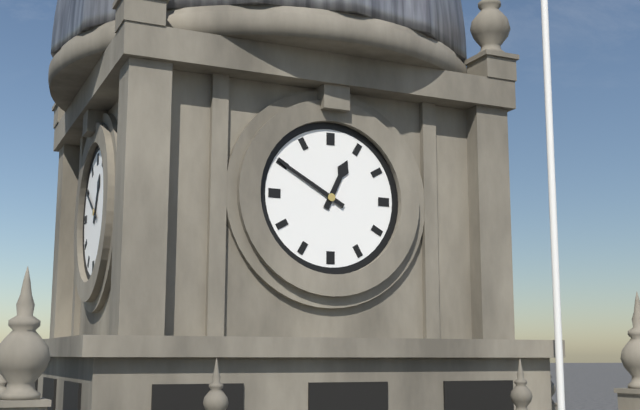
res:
h=12 m=50
